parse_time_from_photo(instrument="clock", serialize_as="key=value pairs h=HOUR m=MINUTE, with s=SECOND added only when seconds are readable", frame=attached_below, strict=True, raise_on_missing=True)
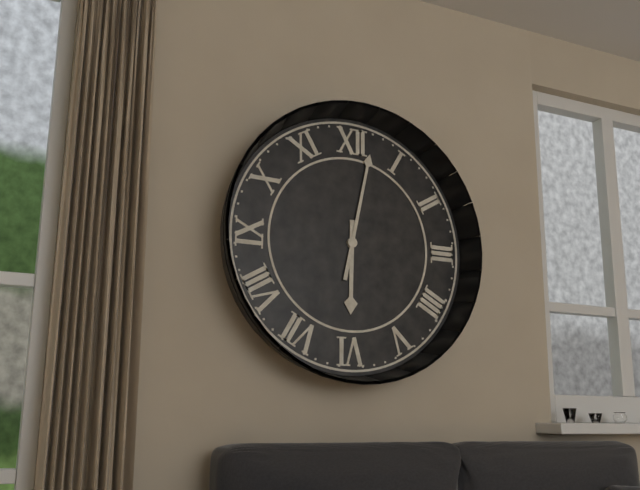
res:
h=6 m=2
